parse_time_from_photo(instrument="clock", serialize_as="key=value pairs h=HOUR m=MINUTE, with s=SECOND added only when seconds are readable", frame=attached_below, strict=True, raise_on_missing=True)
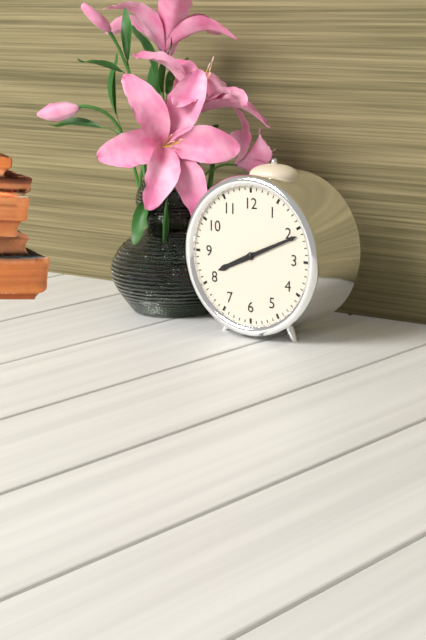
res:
h=8 m=11
